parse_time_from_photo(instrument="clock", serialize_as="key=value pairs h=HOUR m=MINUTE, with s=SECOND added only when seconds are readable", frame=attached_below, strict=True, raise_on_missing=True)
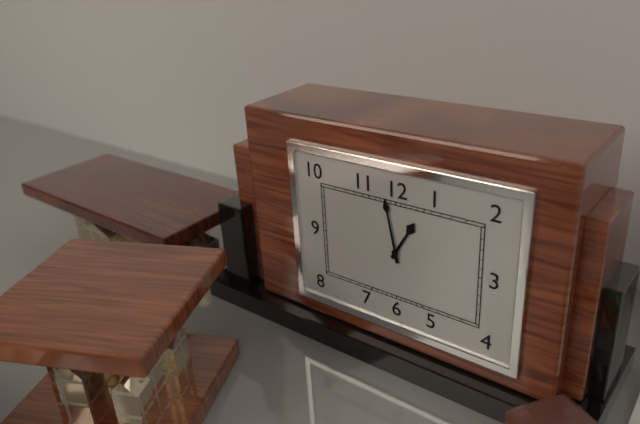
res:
h=12 m=58
